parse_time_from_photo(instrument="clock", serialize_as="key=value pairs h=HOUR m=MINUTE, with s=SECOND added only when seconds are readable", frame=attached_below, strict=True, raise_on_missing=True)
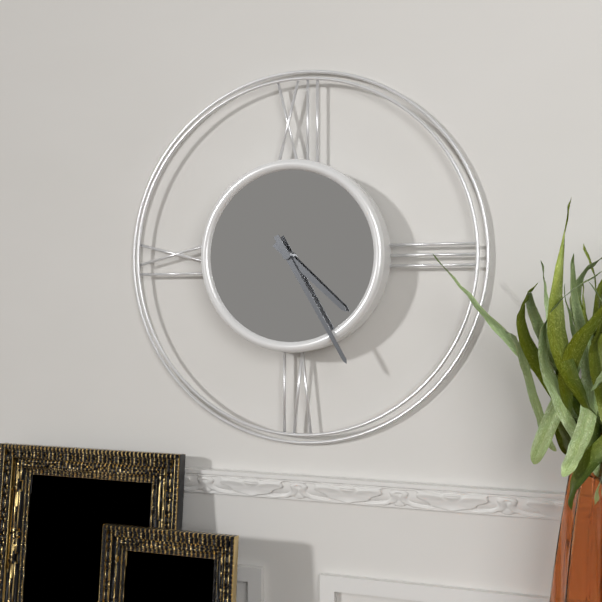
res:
h=4 m=25
